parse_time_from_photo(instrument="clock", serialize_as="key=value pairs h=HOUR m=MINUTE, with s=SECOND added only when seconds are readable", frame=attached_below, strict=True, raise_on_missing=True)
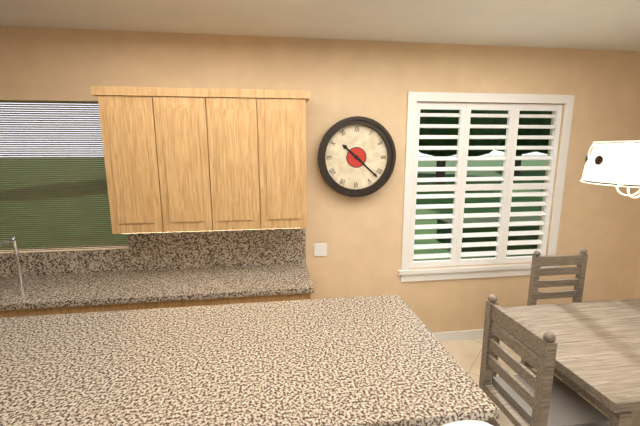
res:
h=10 m=22
